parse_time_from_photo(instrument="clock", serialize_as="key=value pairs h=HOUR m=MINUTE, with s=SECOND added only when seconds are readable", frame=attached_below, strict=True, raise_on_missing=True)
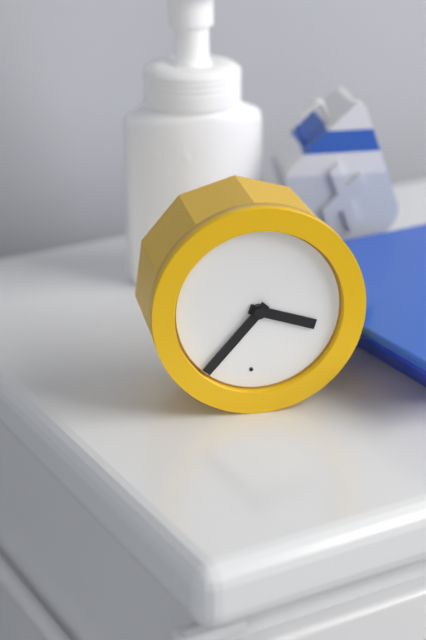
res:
h=3 m=37
